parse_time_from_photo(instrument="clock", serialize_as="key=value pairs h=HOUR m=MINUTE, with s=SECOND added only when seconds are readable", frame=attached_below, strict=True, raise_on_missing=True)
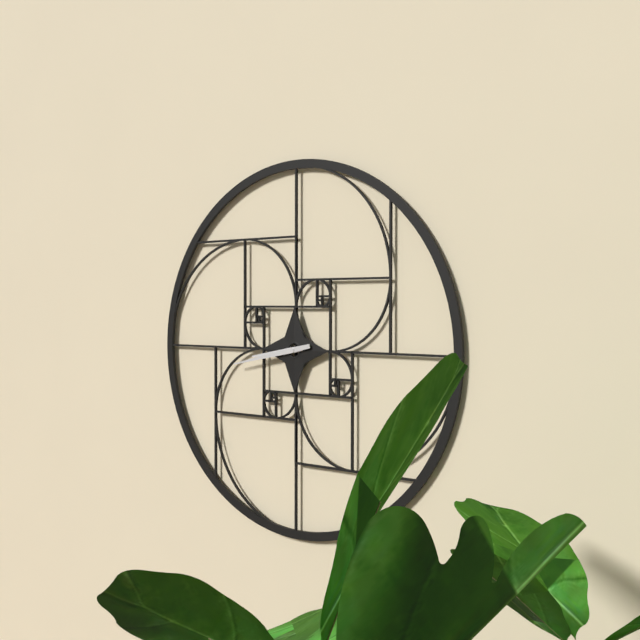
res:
h=8 m=43
